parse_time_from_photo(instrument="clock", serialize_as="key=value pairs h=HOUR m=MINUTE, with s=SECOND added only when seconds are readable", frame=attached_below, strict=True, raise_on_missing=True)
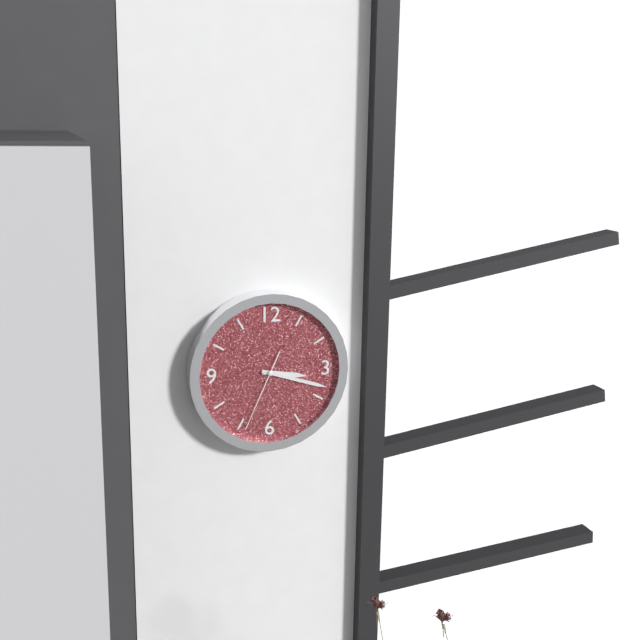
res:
h=3 m=18 s=34
